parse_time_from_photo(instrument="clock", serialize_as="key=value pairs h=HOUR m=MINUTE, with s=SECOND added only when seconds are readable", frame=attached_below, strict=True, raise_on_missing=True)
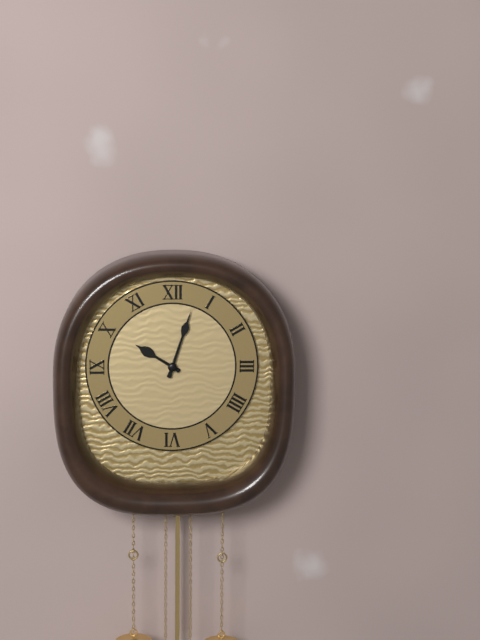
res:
h=10 m=3
